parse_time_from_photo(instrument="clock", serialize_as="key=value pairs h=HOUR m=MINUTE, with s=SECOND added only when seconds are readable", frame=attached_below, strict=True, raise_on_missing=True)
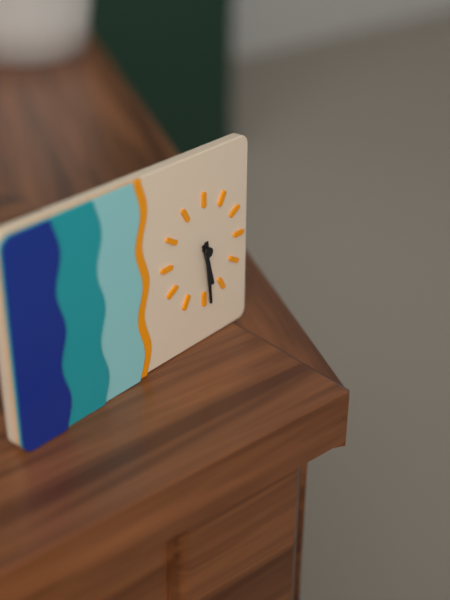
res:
h=5 m=29
